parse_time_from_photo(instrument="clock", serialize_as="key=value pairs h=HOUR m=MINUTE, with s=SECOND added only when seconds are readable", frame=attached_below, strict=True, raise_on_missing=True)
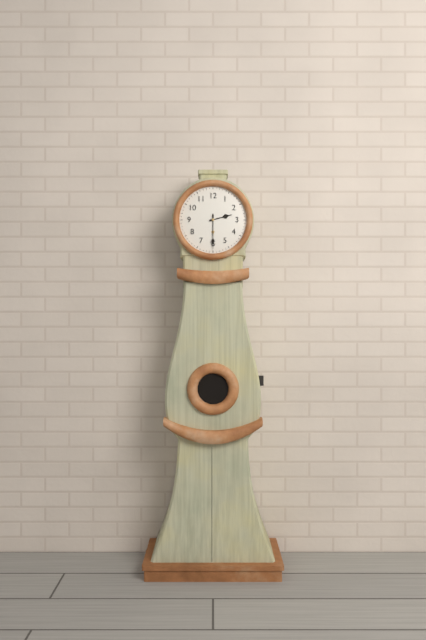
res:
h=2 m=30
